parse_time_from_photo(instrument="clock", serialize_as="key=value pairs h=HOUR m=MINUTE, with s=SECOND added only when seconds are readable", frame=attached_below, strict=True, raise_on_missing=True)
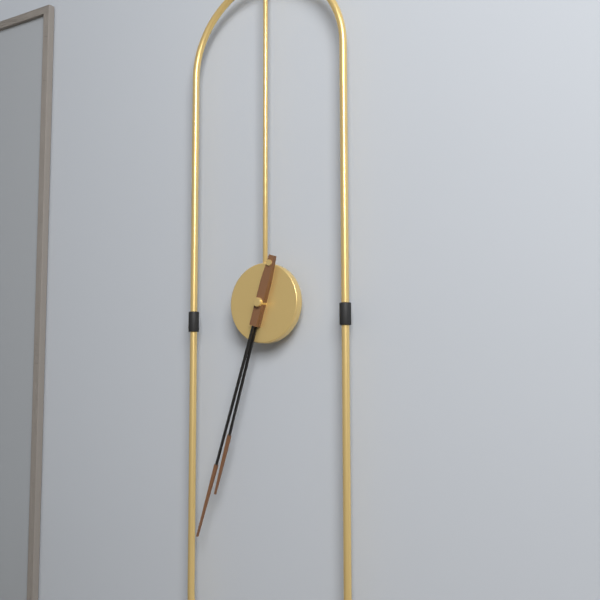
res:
h=6 m=33
